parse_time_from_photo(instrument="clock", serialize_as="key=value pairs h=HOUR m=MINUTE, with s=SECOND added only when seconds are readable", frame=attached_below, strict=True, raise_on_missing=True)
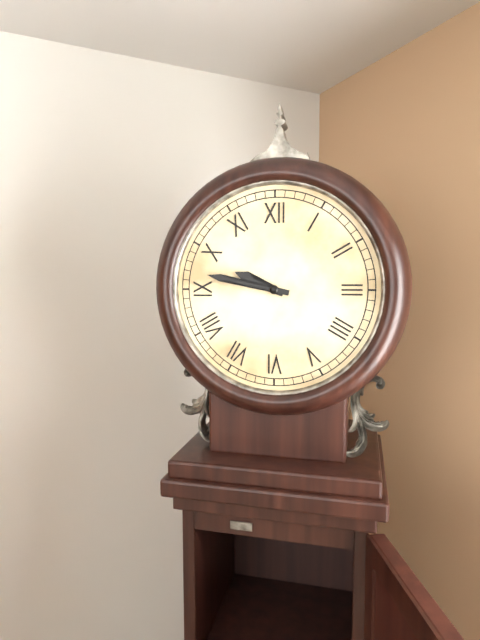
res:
h=9 m=47
